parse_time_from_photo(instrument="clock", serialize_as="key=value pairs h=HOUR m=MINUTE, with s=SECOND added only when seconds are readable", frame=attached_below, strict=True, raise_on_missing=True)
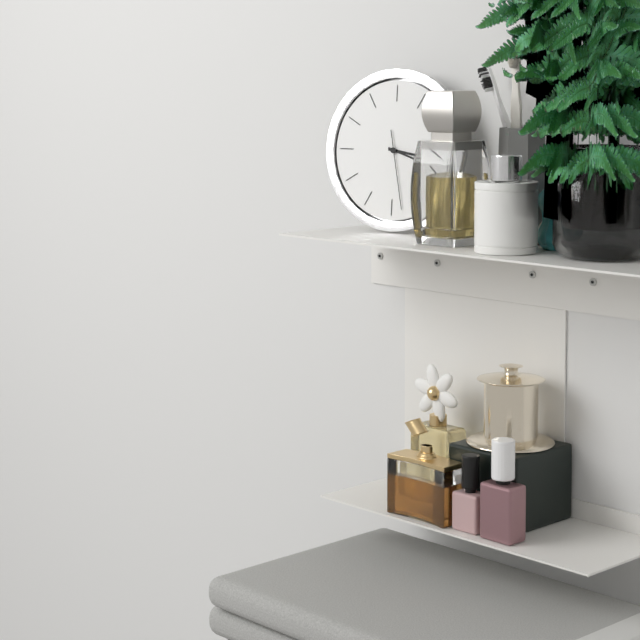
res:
h=3 m=18 s=28
